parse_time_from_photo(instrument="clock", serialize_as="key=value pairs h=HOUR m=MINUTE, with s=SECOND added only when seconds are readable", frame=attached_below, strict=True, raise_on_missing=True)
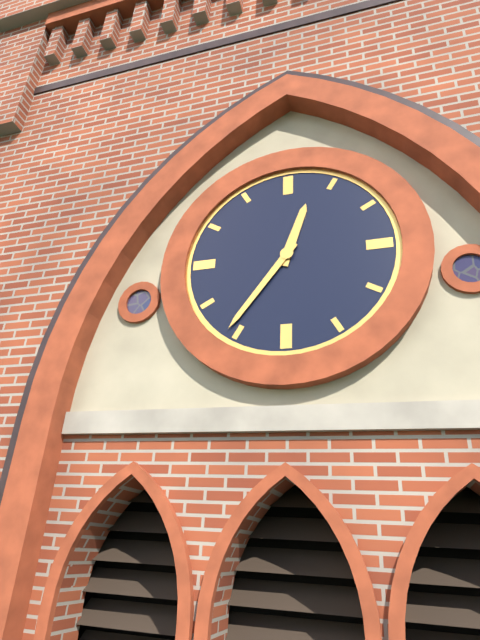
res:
h=12 m=36
